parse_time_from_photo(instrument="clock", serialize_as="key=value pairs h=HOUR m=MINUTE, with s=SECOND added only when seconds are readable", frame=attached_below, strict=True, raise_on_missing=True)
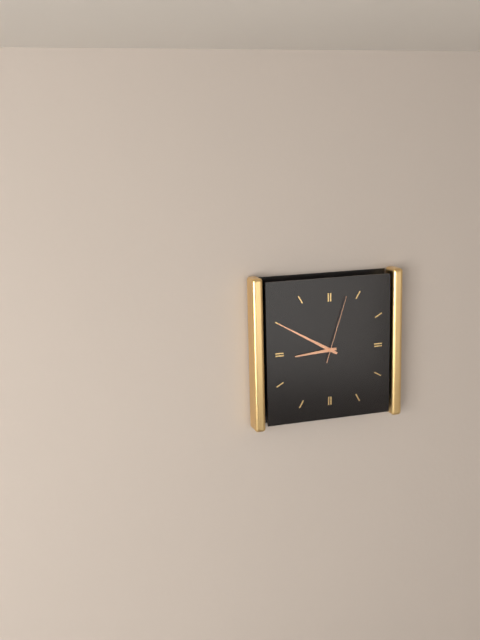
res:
h=8 m=50 s=3
